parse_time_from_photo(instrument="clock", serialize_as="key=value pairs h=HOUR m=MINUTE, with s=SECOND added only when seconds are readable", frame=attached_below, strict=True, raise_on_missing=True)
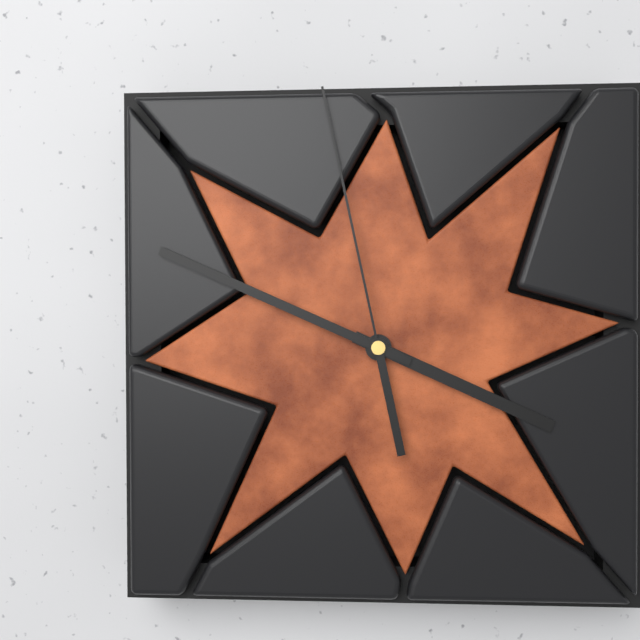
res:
h=3 m=49 s=58
